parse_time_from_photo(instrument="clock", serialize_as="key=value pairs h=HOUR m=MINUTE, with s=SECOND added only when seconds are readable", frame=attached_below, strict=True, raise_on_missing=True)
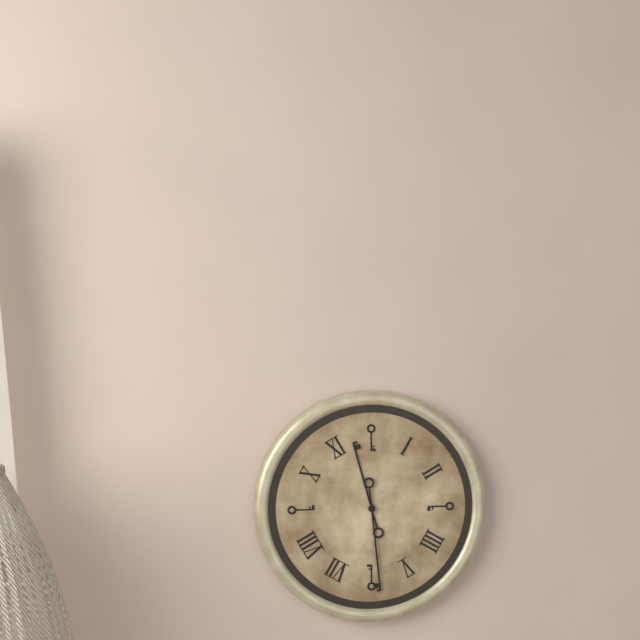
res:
h=11 m=29
